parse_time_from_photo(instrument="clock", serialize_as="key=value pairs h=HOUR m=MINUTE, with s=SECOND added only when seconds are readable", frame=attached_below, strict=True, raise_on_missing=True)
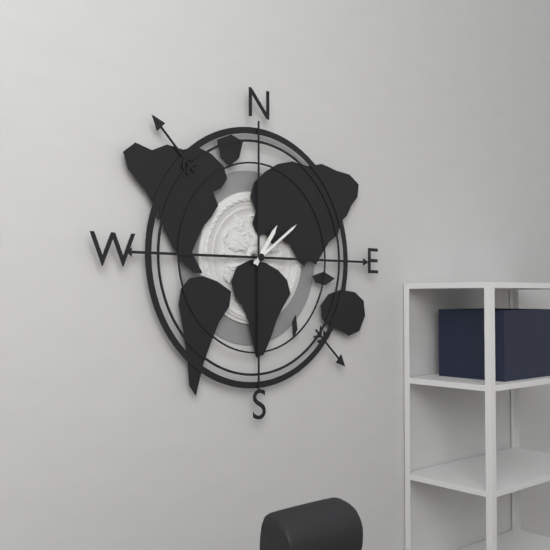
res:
h=1 m=9
